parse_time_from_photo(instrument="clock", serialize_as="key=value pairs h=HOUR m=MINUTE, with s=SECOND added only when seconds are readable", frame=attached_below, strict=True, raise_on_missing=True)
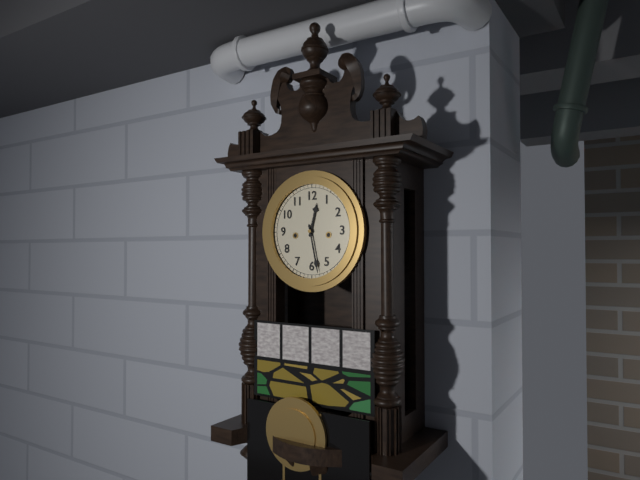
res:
h=12 m=28
